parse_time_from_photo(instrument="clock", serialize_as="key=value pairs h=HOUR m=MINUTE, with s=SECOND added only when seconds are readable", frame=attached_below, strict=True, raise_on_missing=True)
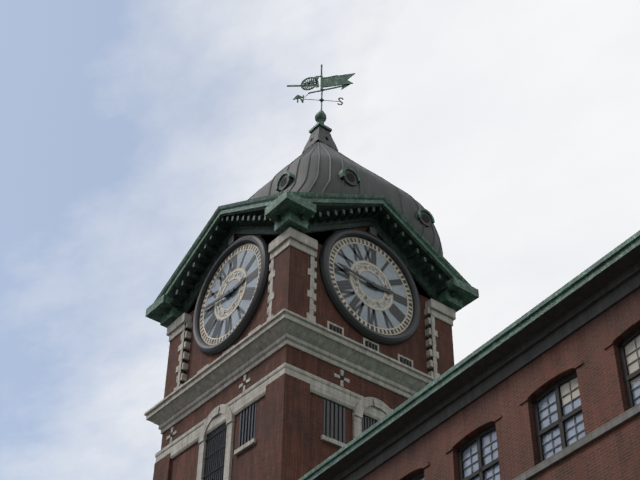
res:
h=2 m=46
